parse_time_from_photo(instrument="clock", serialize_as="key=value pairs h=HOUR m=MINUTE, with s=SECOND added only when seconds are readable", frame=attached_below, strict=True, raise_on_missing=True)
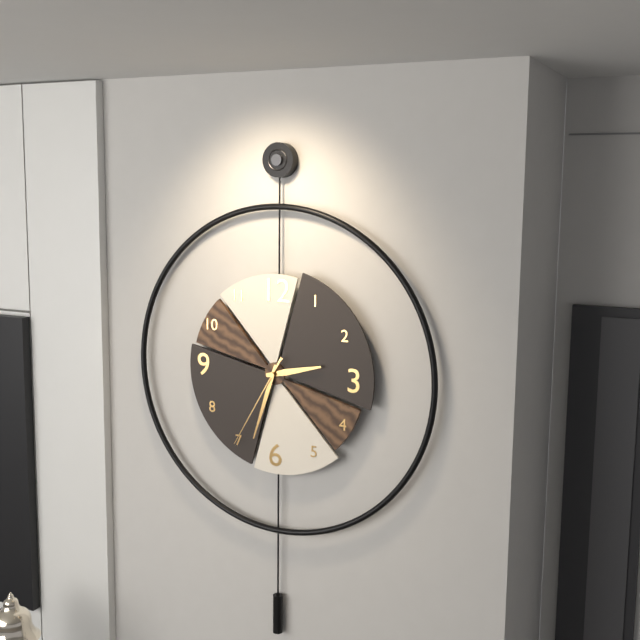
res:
h=2 m=33 s=35
